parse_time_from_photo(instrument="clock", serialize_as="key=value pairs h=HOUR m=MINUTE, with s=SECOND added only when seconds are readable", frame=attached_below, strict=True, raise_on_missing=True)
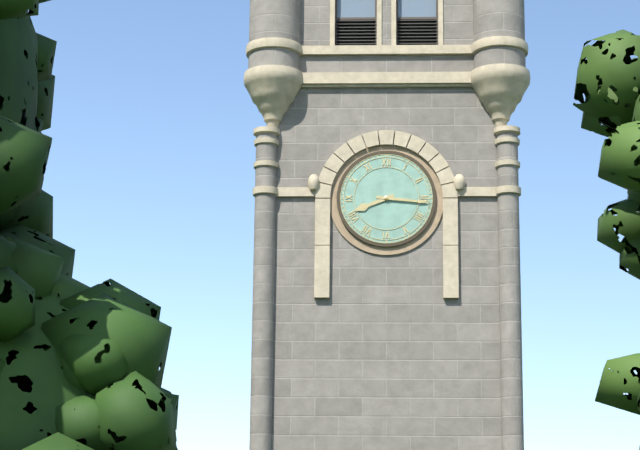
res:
h=8 m=16
